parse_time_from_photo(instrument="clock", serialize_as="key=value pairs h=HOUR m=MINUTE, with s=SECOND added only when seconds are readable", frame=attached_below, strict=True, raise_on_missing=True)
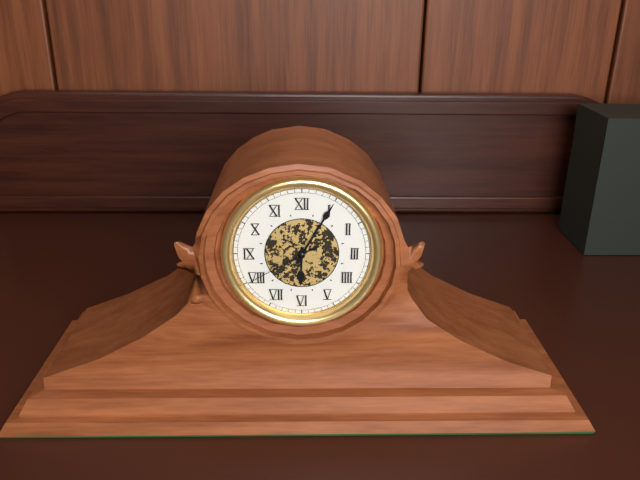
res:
h=6 m=5 s=40
